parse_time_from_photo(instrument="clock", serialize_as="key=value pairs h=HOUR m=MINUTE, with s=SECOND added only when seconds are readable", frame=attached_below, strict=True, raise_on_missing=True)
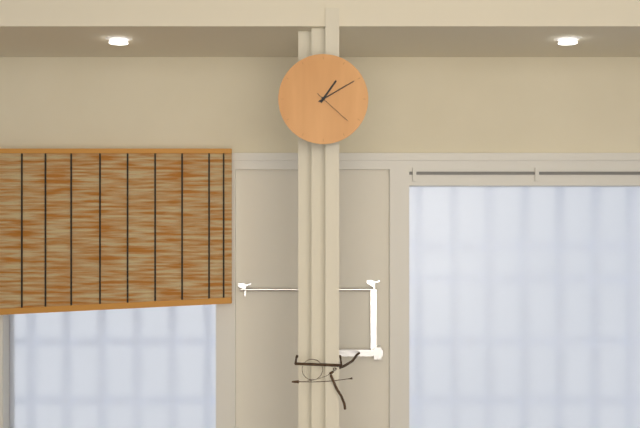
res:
h=1 m=10
